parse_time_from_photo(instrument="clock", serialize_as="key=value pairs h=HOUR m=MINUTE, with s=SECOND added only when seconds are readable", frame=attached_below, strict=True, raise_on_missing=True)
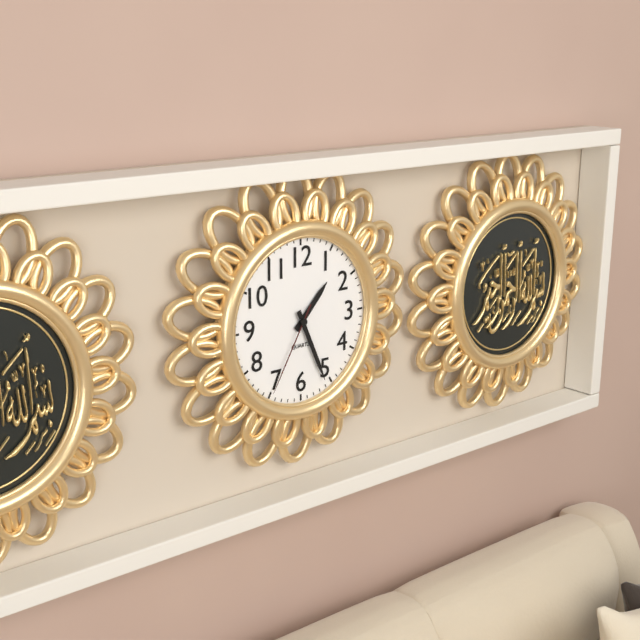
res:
h=1 m=26 s=35
